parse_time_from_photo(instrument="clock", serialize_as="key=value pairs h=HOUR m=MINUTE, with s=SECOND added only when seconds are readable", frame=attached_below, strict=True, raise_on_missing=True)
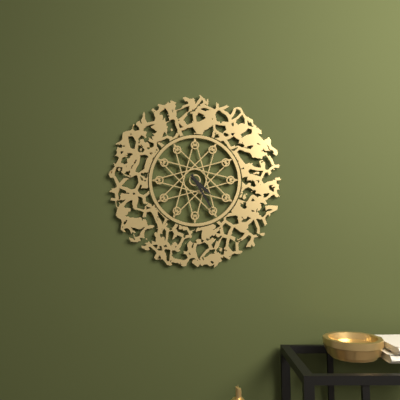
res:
h=4 m=25
